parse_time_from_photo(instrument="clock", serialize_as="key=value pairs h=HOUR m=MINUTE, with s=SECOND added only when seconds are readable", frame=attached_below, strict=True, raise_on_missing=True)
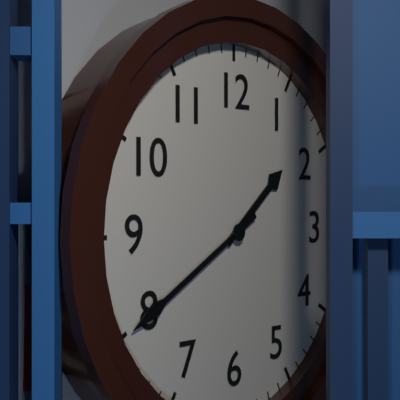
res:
h=1 m=40
